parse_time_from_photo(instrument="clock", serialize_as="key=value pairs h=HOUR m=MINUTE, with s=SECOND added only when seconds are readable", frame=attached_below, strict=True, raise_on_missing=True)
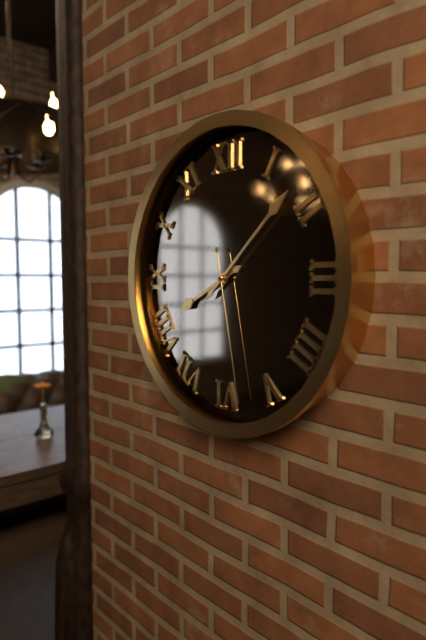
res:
h=8 m=8 s=28
